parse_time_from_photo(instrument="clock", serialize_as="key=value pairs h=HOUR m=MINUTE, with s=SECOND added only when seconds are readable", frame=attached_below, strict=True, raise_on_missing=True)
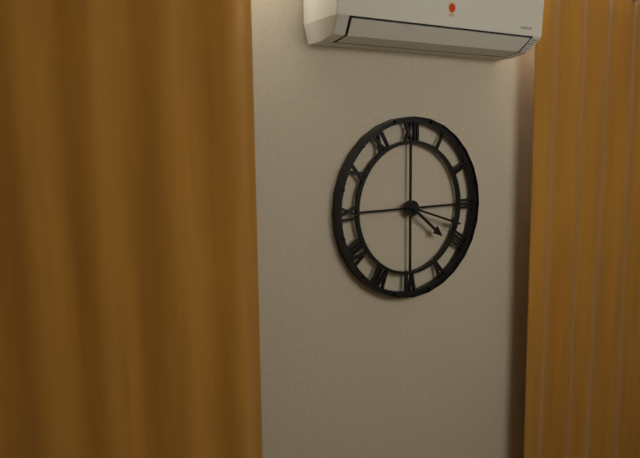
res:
h=4 m=18
